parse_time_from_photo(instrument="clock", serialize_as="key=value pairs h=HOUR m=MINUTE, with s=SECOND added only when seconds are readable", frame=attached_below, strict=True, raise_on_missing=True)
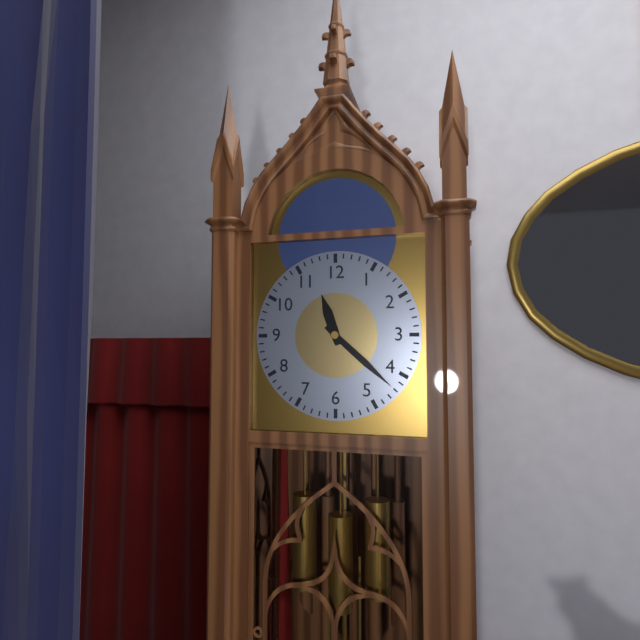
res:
h=11 m=22
